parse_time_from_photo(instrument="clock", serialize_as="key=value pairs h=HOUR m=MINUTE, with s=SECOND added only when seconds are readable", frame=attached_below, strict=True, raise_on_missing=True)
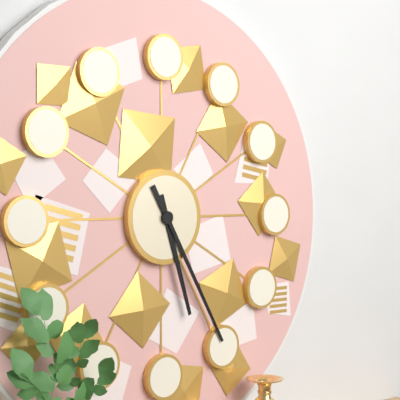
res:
h=5 m=25
